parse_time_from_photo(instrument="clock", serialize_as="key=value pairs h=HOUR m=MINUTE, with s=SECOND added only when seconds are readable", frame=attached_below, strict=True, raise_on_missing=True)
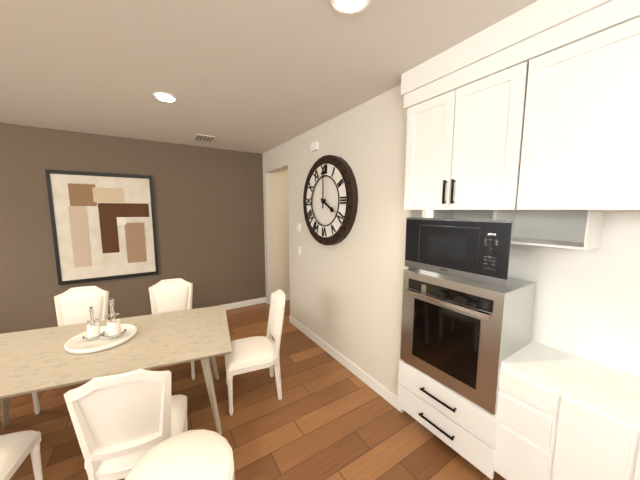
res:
h=4 m=0
